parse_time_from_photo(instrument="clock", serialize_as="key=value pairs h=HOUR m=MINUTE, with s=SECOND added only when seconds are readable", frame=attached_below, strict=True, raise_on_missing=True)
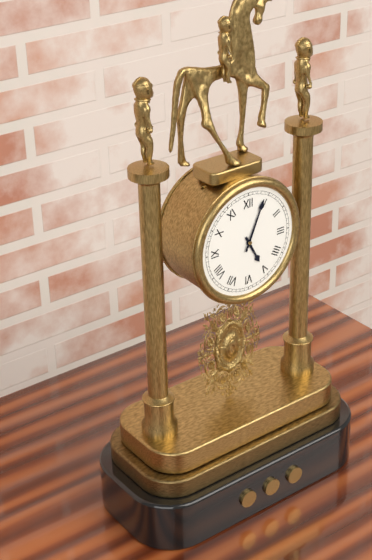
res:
h=5 m=4
